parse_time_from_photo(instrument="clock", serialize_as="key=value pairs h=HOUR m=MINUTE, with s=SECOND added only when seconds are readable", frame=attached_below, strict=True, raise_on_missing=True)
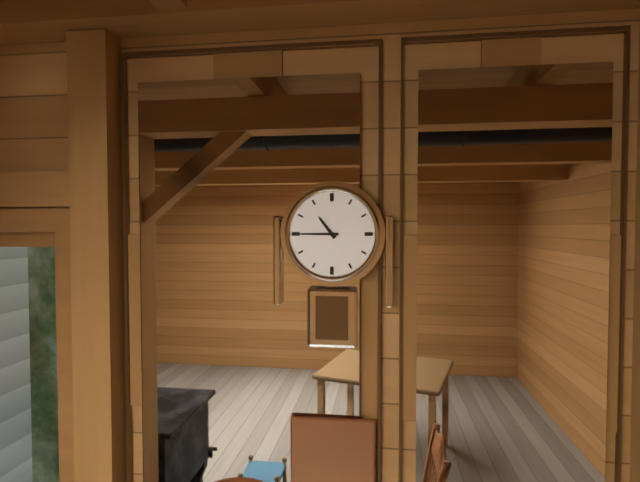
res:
h=10 m=45
